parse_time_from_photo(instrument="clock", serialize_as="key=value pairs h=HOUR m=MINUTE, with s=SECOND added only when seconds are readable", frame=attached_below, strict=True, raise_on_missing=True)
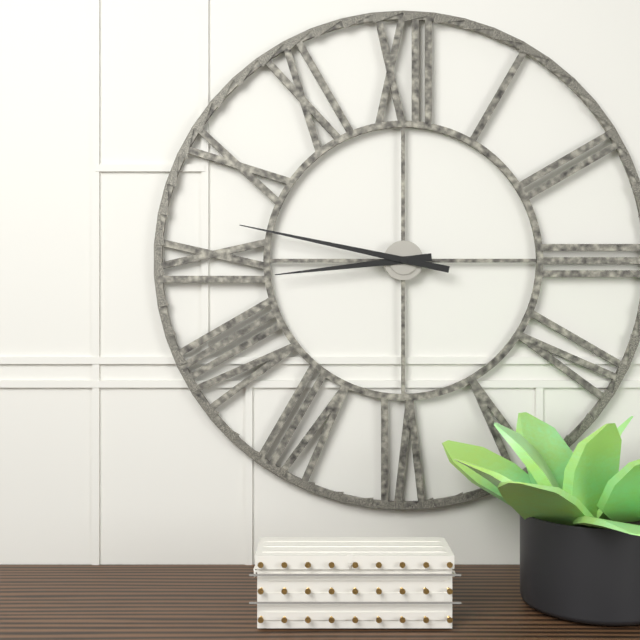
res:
h=8 m=47
